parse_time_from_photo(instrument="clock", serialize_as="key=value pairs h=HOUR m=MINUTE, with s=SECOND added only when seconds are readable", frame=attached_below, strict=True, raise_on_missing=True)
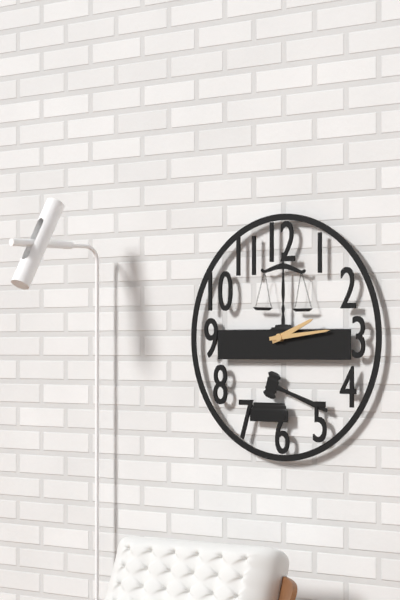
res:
h=2 m=14
